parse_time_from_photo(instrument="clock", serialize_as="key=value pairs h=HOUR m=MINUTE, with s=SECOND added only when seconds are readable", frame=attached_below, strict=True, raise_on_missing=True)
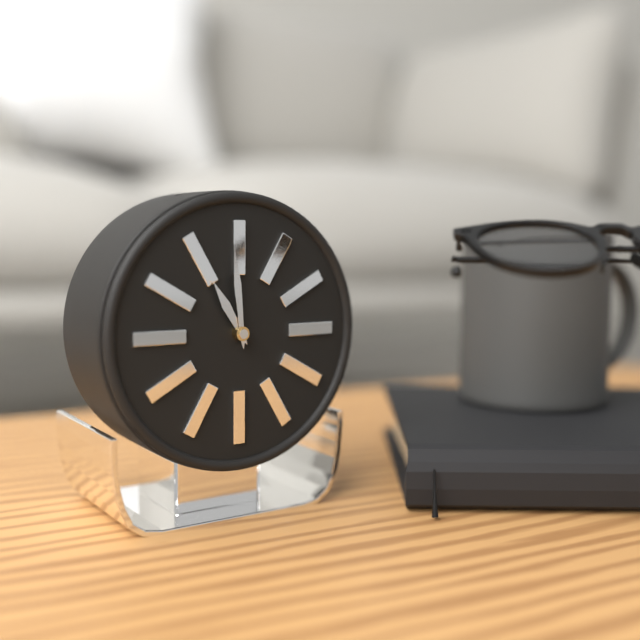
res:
h=10 m=59
